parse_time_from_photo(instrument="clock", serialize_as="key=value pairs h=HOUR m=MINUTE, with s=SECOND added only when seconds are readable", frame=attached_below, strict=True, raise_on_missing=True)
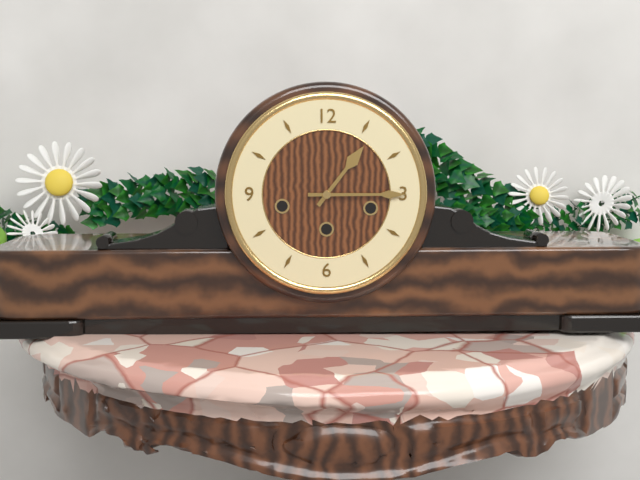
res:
h=1 m=15
